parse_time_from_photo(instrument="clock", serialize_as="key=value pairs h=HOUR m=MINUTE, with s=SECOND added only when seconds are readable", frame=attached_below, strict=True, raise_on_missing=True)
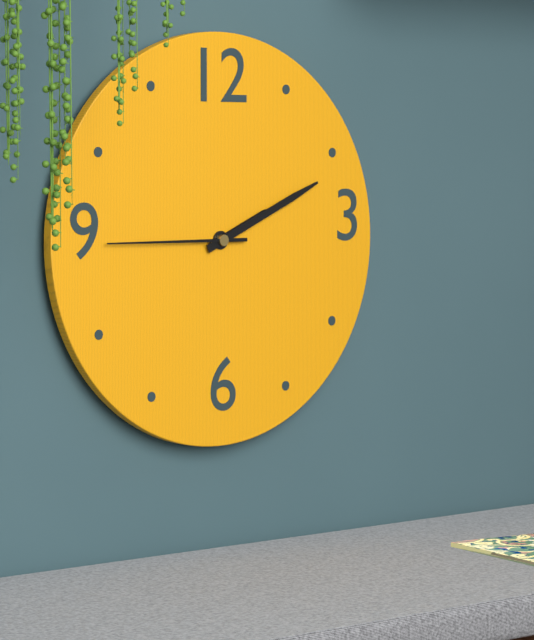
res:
h=2 m=11 s=45
